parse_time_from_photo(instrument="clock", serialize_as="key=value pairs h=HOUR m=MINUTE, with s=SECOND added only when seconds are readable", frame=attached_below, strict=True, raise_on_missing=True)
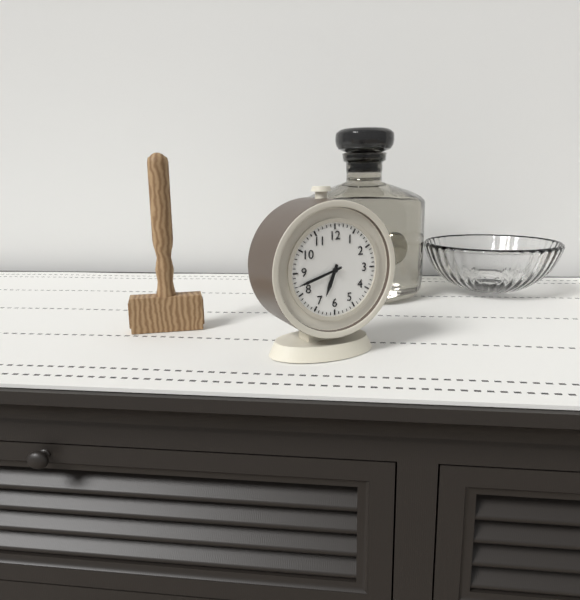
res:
h=6 m=42
